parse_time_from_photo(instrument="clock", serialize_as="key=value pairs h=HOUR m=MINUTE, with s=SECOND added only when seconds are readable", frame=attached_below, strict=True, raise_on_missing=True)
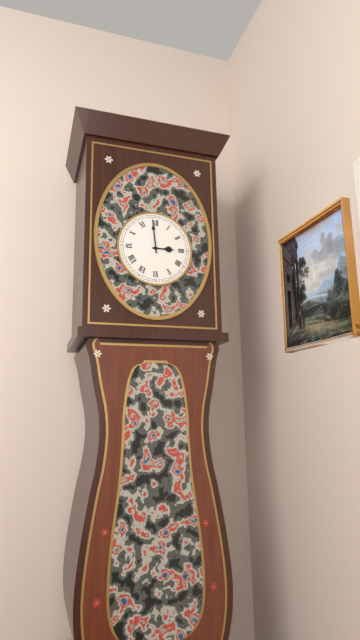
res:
h=2 m=59
